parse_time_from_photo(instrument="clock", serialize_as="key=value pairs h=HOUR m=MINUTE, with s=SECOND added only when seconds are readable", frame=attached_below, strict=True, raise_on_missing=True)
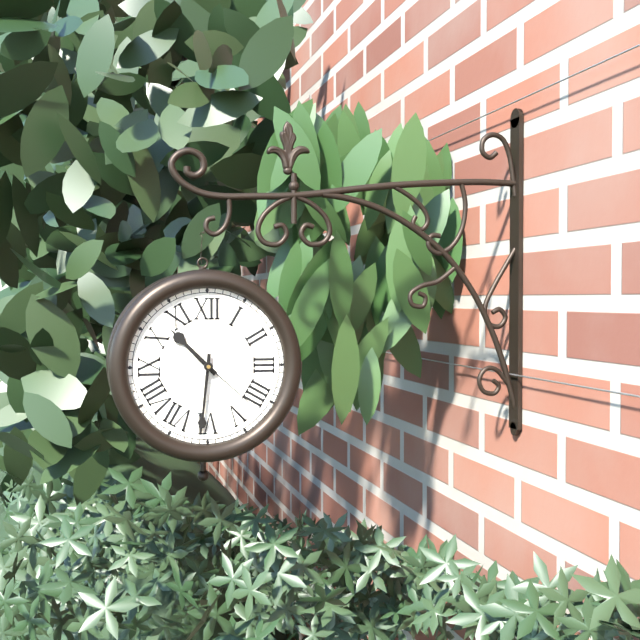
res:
h=10 m=31 s=22
